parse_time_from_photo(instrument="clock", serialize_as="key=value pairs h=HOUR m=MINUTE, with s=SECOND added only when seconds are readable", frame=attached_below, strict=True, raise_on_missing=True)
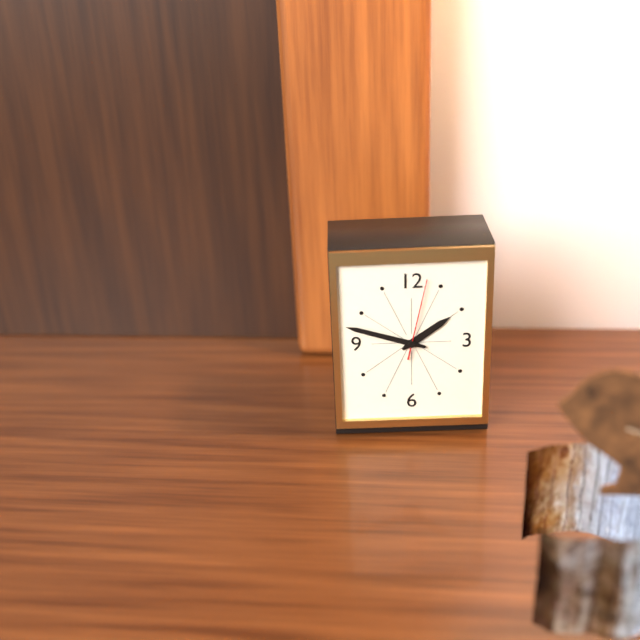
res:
h=1 m=48 s=2
